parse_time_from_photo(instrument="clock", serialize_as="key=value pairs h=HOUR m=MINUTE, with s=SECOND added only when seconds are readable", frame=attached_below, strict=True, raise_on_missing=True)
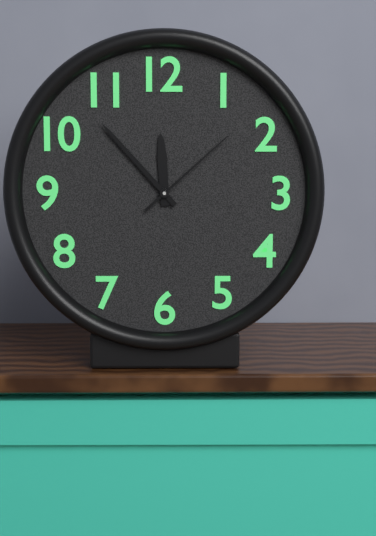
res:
h=11 m=53 s=8
